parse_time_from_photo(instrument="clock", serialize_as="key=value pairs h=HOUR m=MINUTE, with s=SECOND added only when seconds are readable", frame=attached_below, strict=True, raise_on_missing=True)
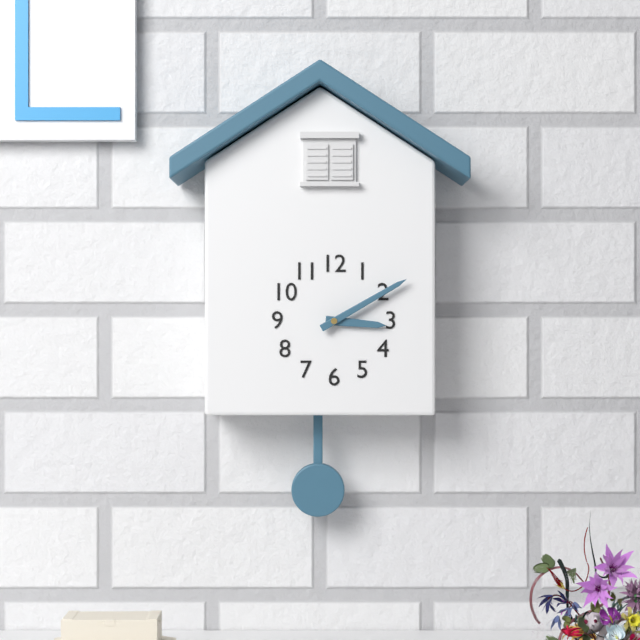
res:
h=3 m=10
